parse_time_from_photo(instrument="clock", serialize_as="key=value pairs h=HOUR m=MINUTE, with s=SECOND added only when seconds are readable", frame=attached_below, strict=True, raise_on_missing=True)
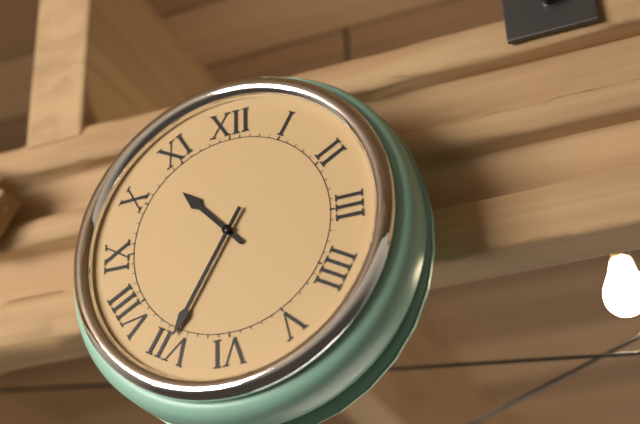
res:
h=10 m=35
